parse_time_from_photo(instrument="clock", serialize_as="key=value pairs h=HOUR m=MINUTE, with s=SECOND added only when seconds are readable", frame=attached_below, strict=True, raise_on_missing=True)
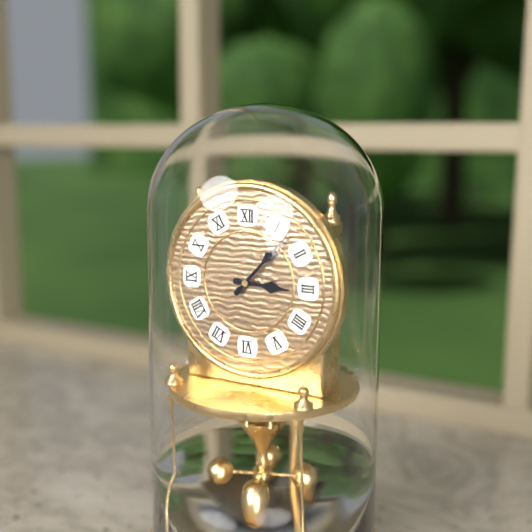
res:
h=3 m=7
